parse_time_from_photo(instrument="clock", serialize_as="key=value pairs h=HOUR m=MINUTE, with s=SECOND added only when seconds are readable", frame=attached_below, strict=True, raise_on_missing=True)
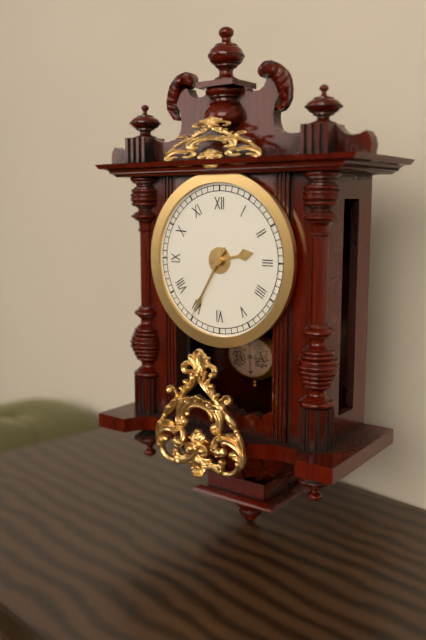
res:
h=2 m=35
